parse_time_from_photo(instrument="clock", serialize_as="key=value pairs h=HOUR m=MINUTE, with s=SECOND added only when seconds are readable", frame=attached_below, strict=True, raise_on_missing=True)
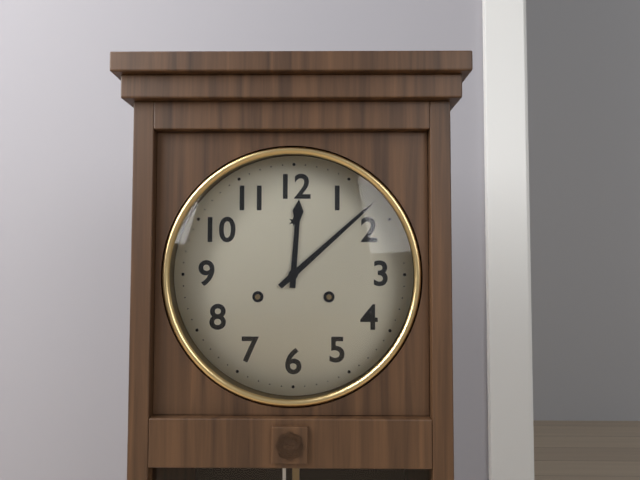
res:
h=12 m=8
